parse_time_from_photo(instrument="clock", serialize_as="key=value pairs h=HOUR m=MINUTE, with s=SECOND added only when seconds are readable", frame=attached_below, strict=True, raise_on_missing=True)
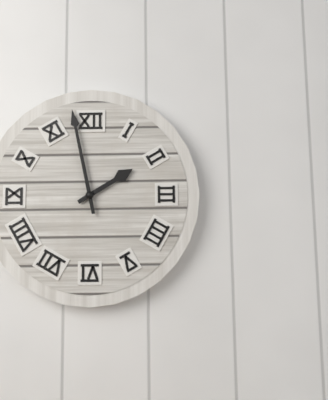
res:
h=1 m=58
